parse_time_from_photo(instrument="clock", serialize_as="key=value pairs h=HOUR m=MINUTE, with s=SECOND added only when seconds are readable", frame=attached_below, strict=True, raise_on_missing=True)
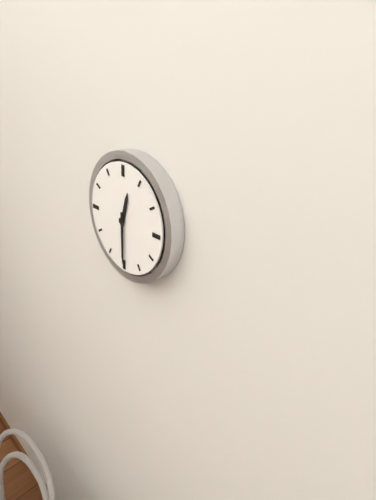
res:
h=12 m=30
